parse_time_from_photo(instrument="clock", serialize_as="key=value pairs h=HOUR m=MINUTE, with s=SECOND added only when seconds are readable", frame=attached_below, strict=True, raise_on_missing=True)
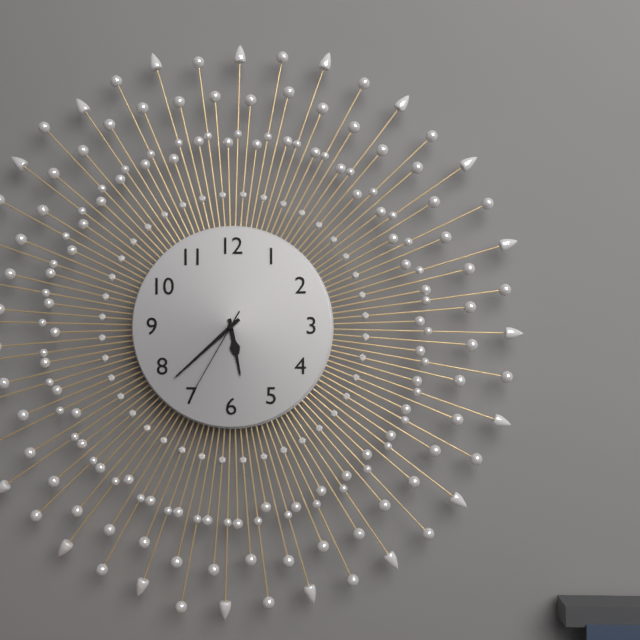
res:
h=5 m=38 s=35
